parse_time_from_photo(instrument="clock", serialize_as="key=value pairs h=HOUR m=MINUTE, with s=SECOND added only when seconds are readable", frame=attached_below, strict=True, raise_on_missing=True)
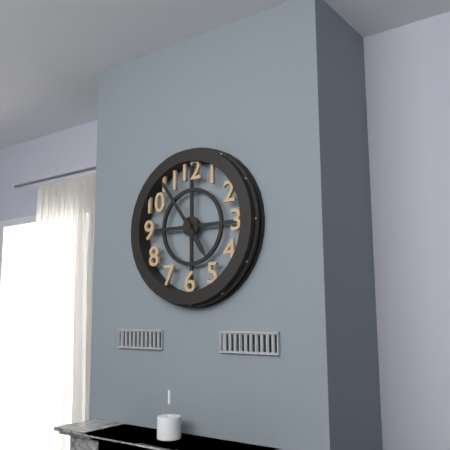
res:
h=4 m=54
